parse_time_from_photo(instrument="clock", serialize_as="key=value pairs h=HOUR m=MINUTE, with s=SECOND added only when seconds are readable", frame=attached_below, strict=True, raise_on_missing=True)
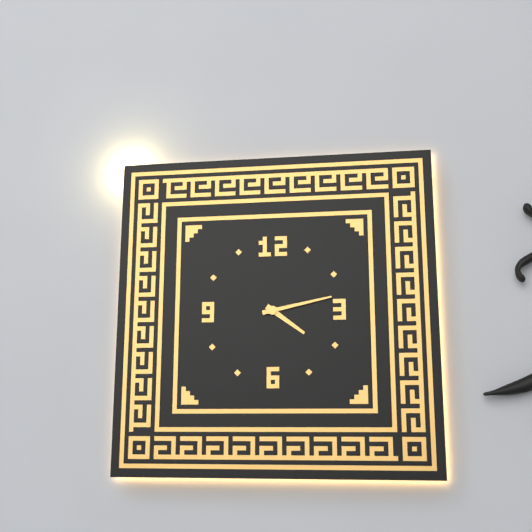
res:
h=4 m=13
